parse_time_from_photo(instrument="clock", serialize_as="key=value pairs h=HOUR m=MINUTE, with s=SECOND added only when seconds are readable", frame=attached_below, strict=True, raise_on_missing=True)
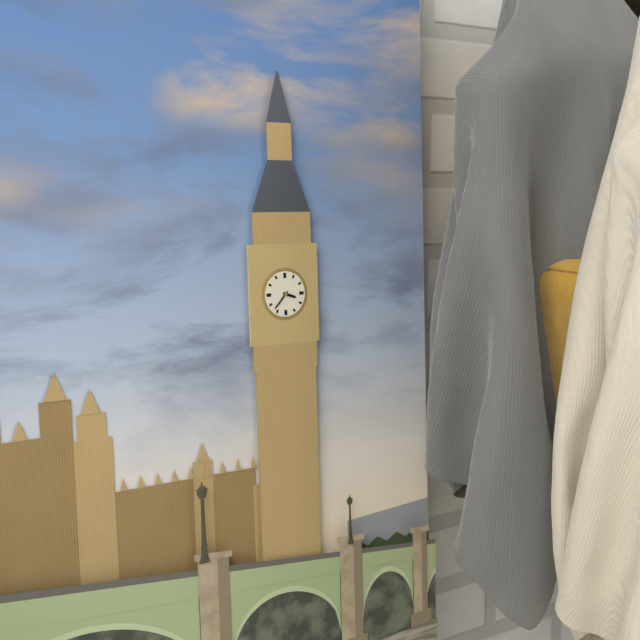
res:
h=3 m=37
